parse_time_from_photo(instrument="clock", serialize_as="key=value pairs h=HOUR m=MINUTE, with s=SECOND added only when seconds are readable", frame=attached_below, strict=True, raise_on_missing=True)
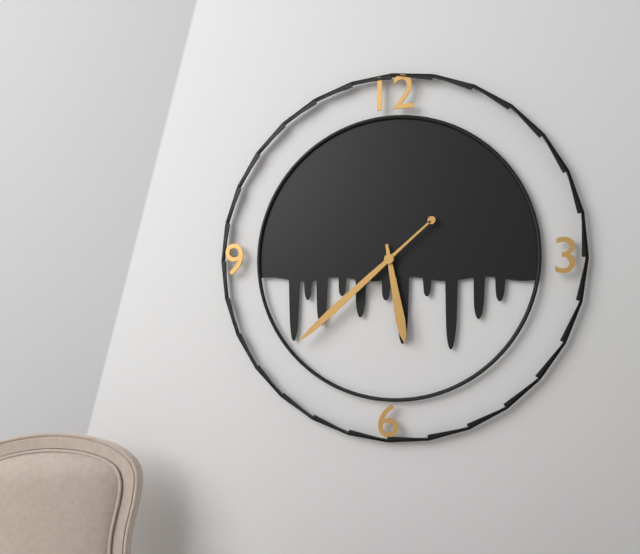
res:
h=5 m=38
